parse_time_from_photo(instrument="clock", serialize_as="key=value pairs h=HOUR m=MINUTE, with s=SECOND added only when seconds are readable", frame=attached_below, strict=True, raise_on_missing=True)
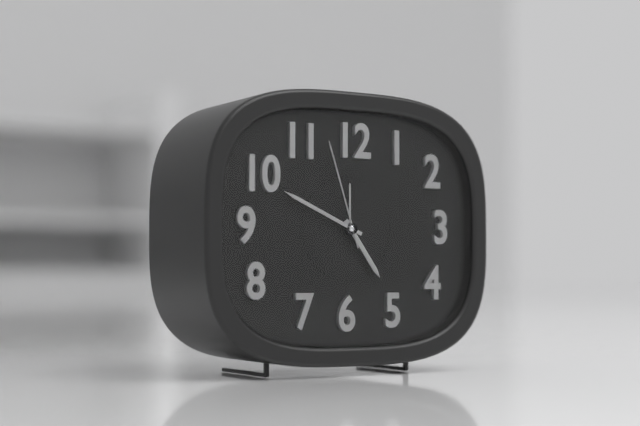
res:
h=4 m=49 s=57
